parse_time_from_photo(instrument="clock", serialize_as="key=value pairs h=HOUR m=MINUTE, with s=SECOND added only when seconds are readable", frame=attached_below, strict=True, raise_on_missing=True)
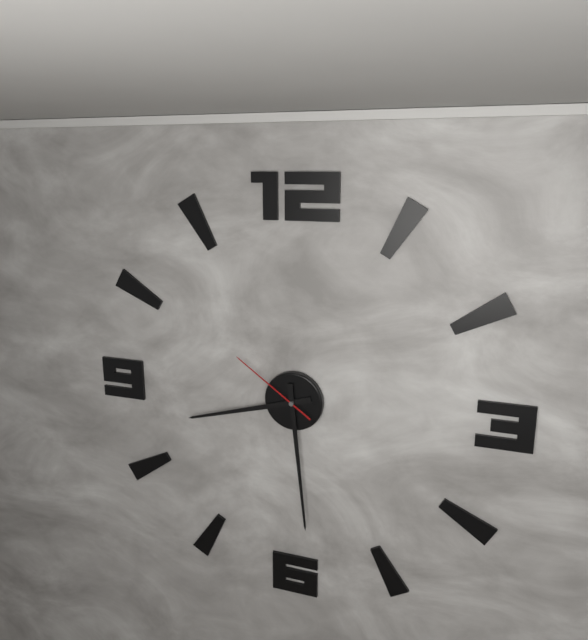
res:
h=8 m=29 s=51
